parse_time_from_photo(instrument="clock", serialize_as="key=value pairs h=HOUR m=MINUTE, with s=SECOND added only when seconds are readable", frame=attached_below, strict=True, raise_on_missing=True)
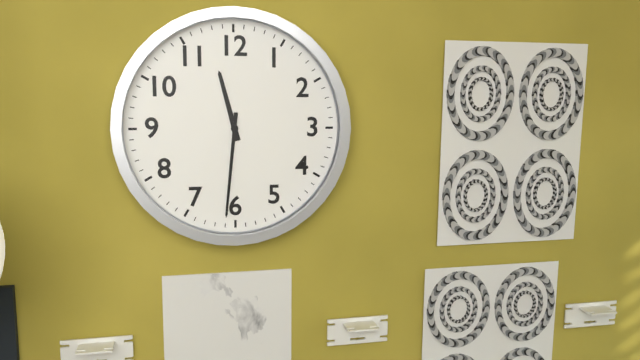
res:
h=11 m=31
